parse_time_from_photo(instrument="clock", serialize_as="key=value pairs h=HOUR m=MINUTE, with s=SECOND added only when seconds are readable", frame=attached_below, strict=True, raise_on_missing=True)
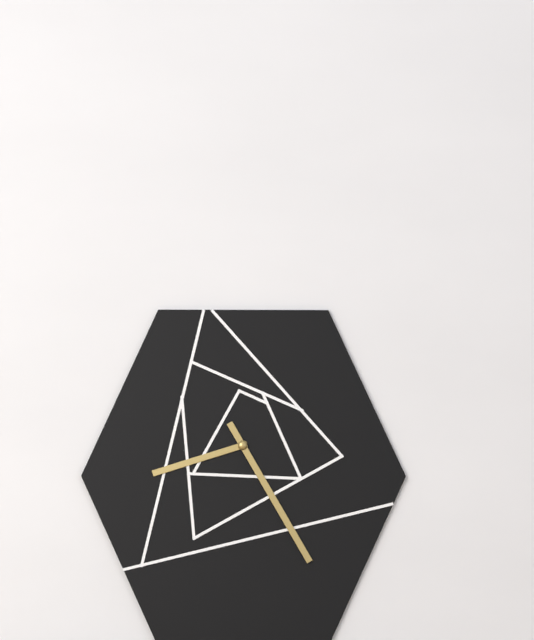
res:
h=8 m=25
